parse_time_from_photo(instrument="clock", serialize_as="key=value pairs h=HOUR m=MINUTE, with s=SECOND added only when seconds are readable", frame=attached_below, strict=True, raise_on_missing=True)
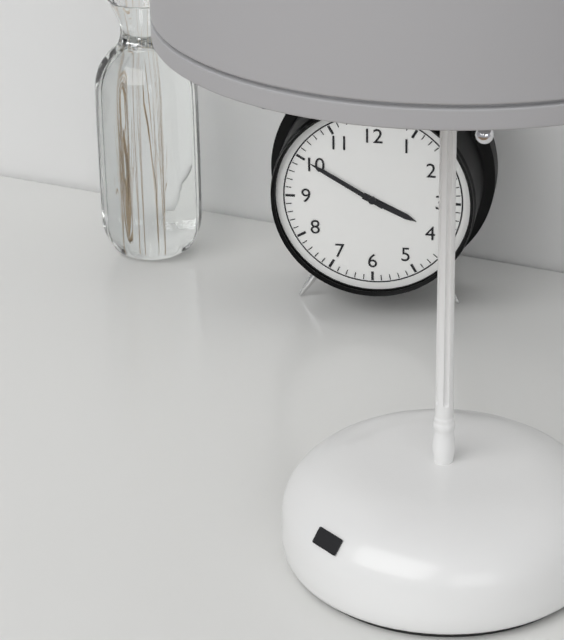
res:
h=3 m=50
